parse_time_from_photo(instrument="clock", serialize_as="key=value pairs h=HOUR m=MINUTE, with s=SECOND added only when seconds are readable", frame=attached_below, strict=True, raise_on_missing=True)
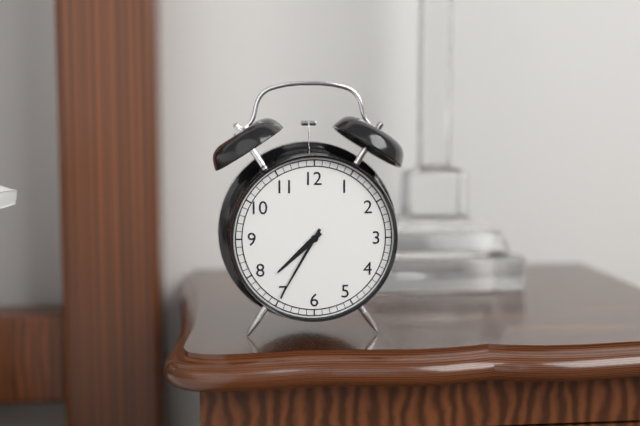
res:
h=7 m=35
